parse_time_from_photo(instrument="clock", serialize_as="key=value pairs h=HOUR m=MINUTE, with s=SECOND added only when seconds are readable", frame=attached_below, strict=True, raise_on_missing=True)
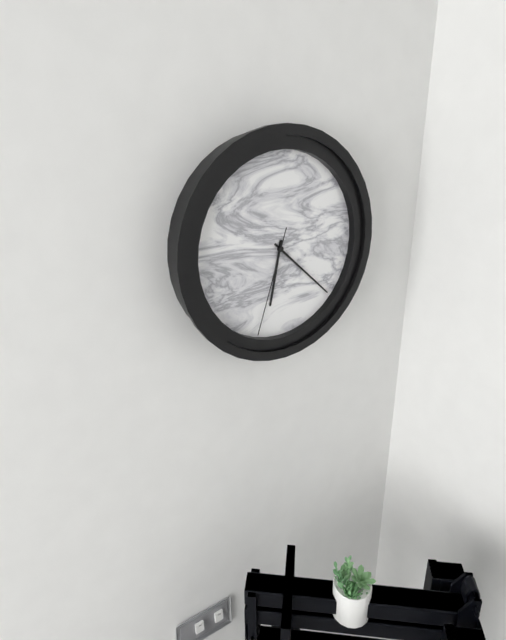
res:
h=6 m=22 s=33
